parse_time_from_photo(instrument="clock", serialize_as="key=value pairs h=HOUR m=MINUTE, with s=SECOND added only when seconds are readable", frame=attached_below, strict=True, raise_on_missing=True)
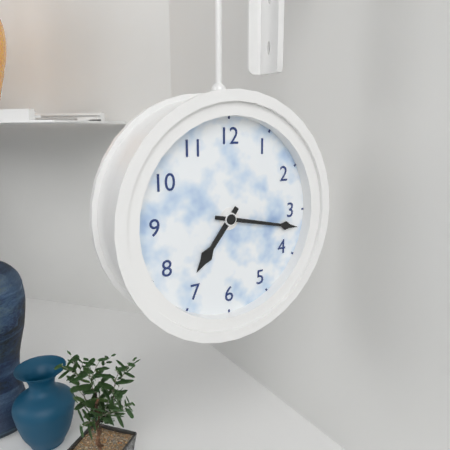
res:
h=7 m=17
